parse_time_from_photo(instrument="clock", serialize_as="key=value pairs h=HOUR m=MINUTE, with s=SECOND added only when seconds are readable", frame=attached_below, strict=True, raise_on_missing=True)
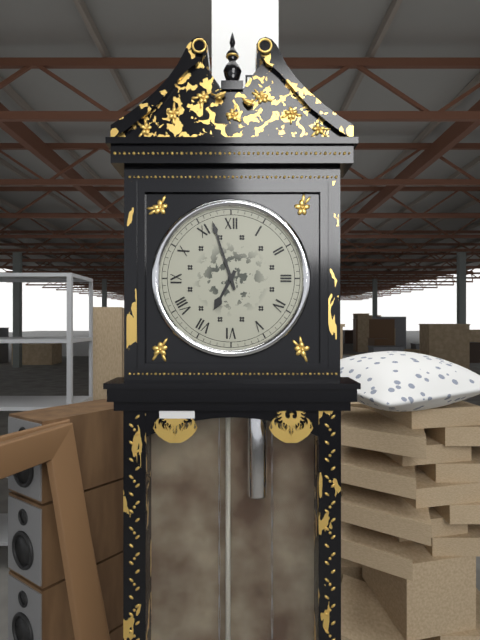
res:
h=6 m=57
